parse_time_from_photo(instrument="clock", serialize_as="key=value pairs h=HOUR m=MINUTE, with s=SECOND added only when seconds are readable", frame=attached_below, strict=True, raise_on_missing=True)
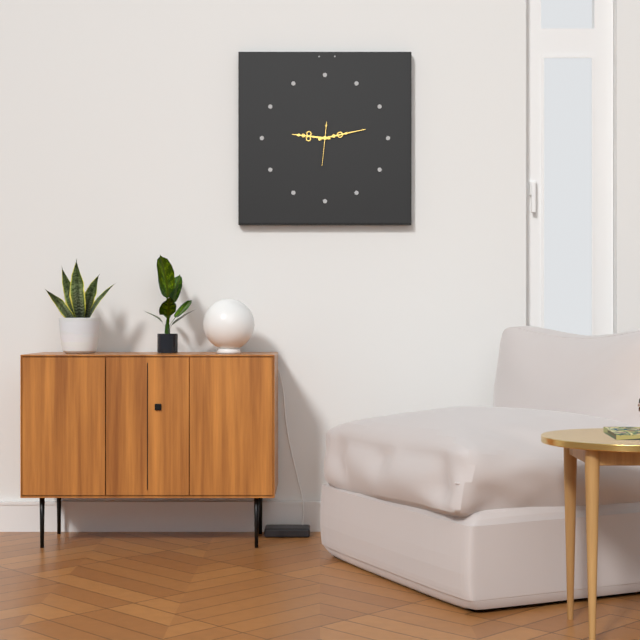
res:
h=9 m=13
